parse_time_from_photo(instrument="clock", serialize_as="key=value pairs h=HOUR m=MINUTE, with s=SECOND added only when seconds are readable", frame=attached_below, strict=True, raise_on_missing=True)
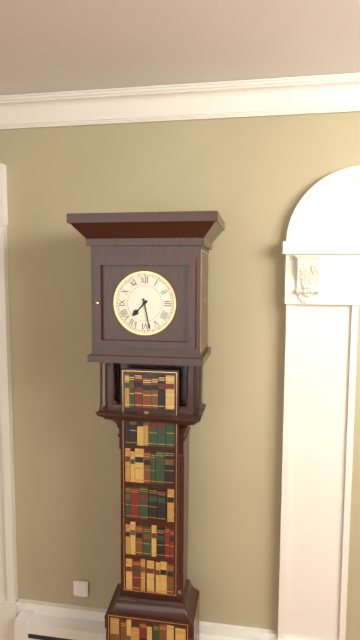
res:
h=7 m=28
